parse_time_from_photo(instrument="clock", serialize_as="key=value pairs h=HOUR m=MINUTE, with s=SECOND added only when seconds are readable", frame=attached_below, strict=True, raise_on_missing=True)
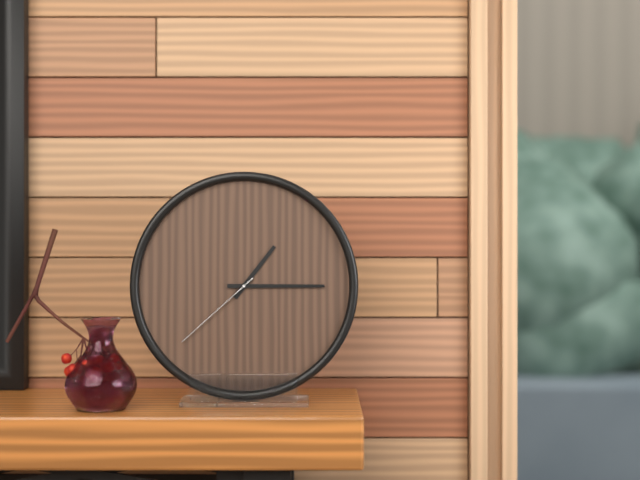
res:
h=1 m=15 s=38
